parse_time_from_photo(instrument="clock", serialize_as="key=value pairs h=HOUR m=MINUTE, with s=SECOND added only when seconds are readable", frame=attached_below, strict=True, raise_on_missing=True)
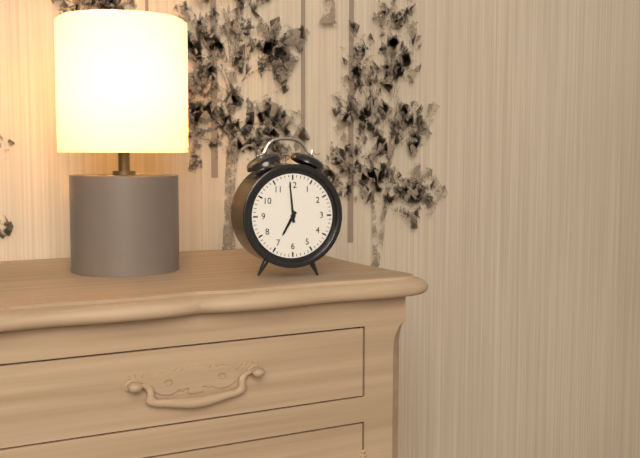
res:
h=6 m=59
